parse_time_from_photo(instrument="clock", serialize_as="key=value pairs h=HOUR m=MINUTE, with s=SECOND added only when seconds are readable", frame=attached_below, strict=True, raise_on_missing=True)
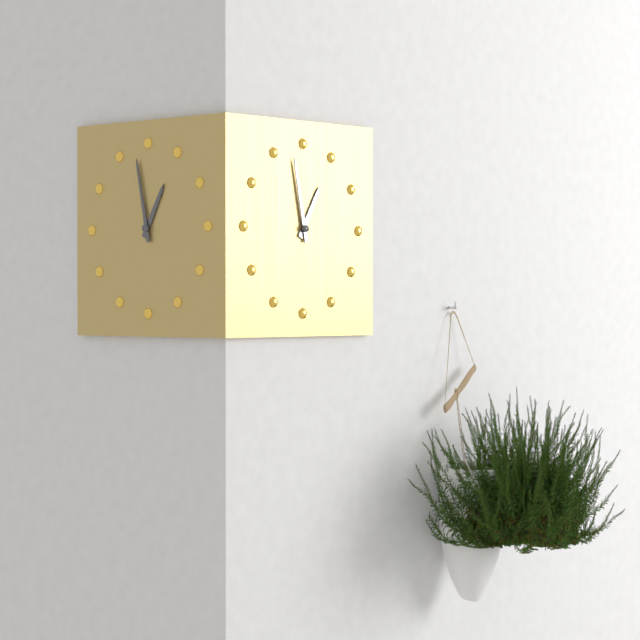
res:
h=12 m=58
